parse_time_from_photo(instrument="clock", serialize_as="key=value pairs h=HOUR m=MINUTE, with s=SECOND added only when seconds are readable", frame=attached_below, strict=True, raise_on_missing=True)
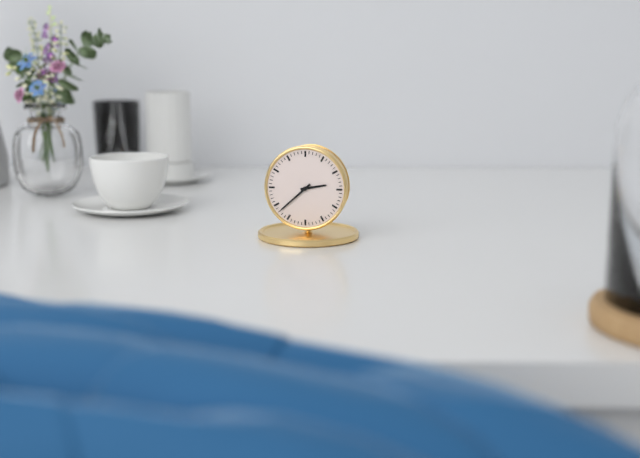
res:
h=2 m=38
